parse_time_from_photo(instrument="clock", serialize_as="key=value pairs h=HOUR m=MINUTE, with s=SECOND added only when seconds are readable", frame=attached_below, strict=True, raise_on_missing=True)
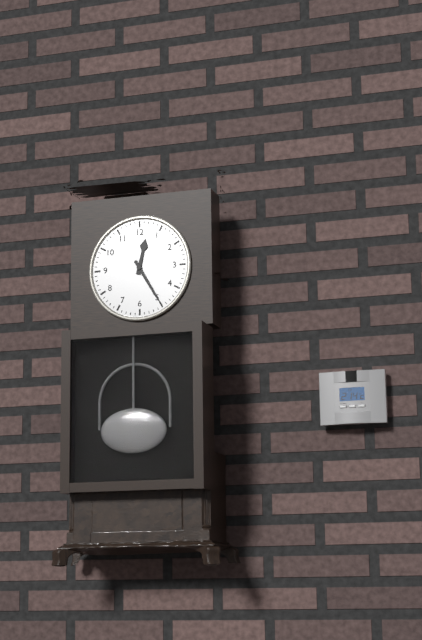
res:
h=12 m=25
